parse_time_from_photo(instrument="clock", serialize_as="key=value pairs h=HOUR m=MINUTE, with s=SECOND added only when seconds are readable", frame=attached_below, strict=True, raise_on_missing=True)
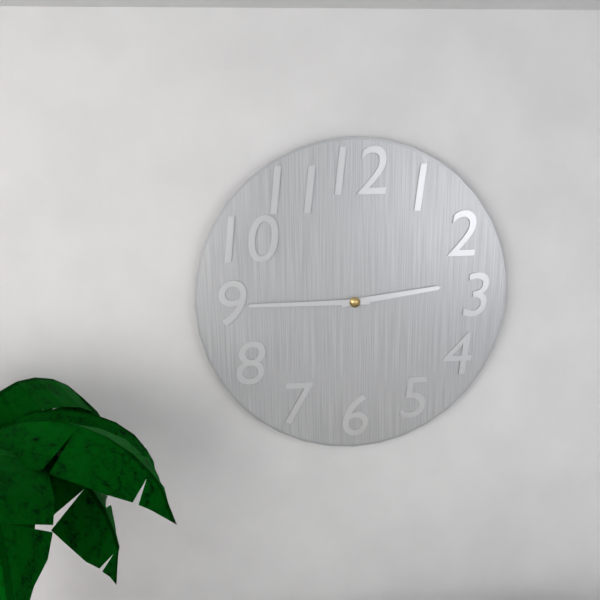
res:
h=2 m=45
